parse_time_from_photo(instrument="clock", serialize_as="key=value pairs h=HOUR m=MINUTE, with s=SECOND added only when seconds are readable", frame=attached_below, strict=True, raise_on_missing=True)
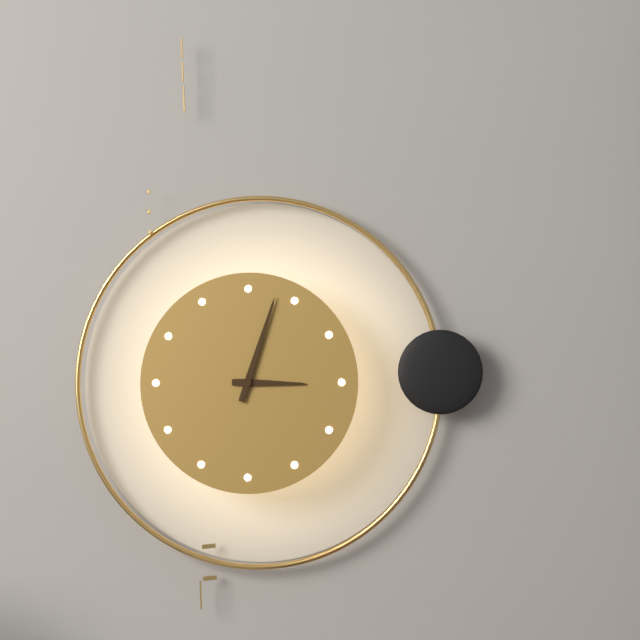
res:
h=3 m=3
